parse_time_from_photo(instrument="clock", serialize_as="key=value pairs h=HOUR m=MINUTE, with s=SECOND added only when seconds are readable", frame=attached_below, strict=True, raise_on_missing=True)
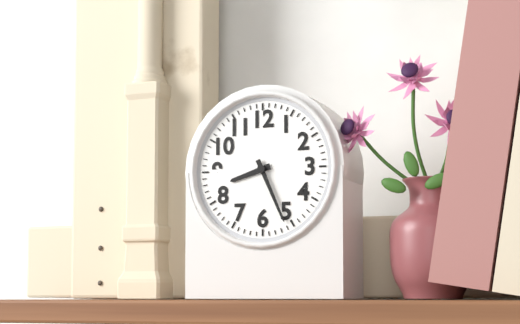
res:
h=8 m=26
